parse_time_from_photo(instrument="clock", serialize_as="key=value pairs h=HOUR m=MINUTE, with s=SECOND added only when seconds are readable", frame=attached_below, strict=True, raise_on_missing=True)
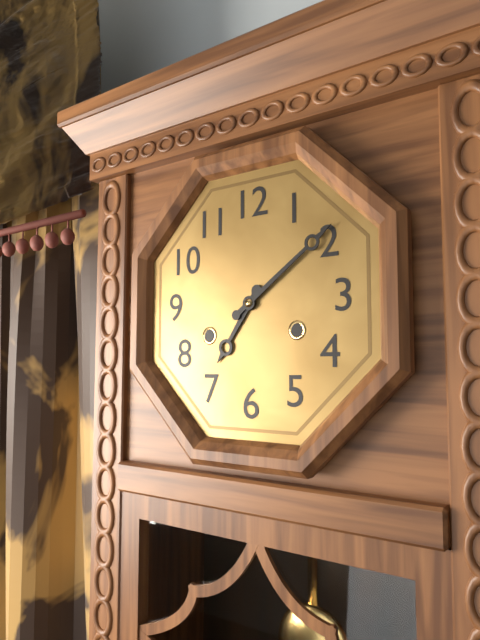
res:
h=7 m=9
